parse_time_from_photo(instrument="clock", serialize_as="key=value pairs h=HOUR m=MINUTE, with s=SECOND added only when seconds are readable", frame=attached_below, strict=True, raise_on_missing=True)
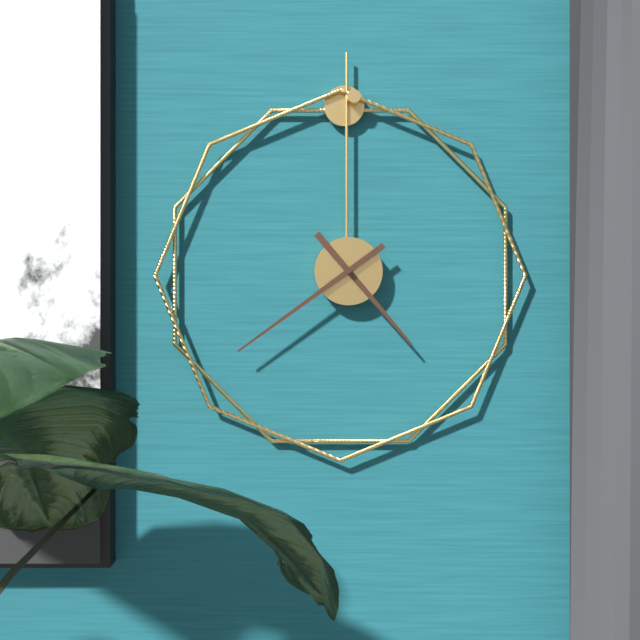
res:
h=4 m=39
